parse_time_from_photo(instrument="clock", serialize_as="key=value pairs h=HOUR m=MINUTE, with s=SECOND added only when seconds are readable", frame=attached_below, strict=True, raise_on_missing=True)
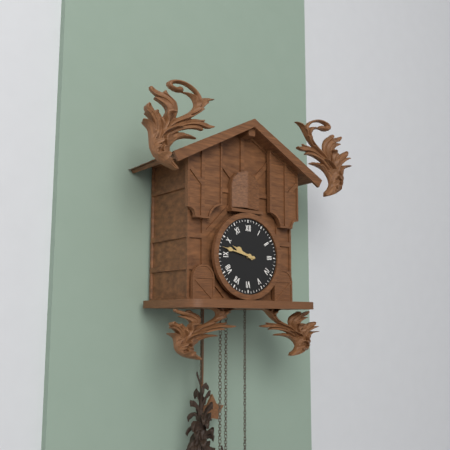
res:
h=9 m=47
